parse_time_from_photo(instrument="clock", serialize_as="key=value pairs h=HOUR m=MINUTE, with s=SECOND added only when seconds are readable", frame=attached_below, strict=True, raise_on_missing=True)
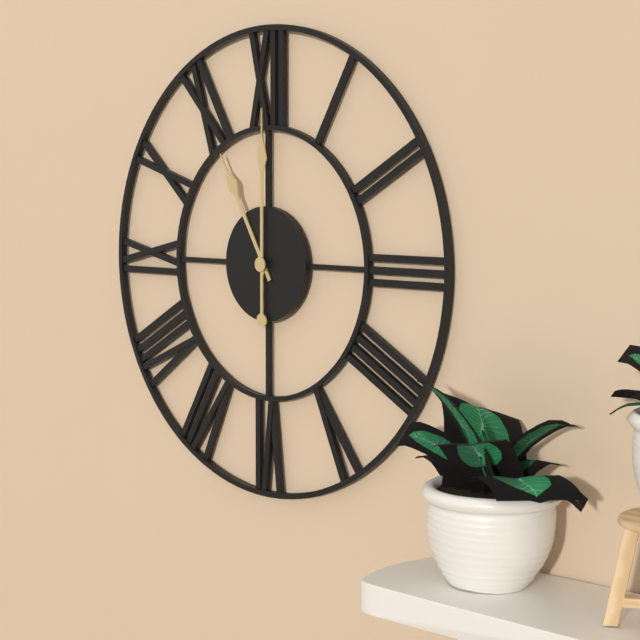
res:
h=11 m=0
